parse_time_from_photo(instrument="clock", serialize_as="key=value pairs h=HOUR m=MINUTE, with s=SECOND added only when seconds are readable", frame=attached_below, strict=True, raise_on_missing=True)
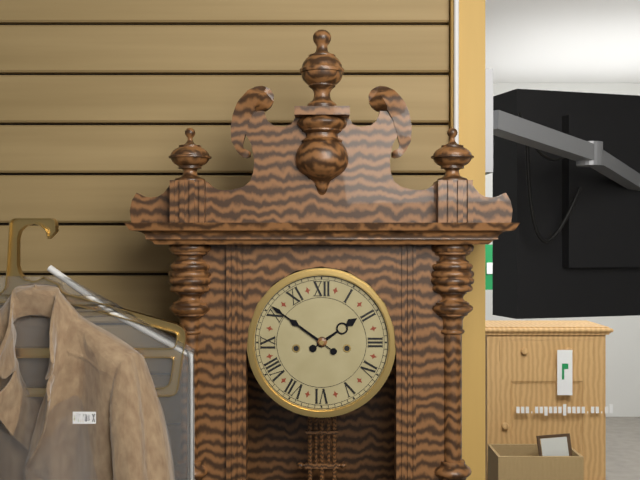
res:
h=1 m=51
